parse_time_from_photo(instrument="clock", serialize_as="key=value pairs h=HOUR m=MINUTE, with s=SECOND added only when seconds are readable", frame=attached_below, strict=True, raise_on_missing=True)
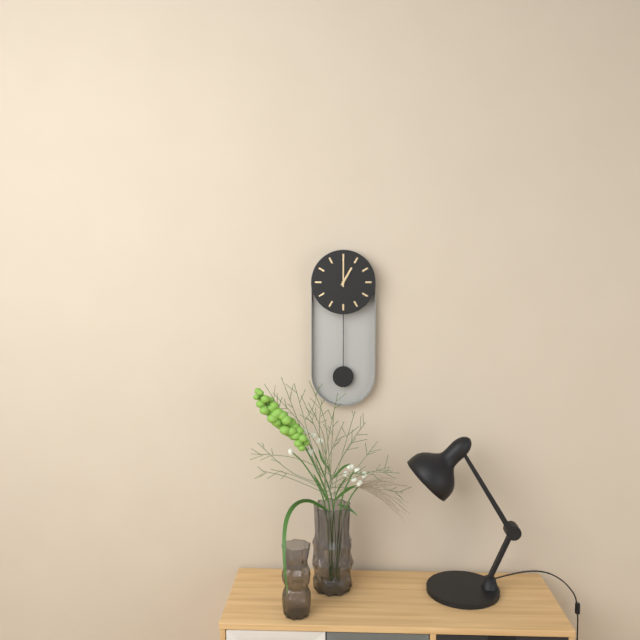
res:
h=1 m=0
